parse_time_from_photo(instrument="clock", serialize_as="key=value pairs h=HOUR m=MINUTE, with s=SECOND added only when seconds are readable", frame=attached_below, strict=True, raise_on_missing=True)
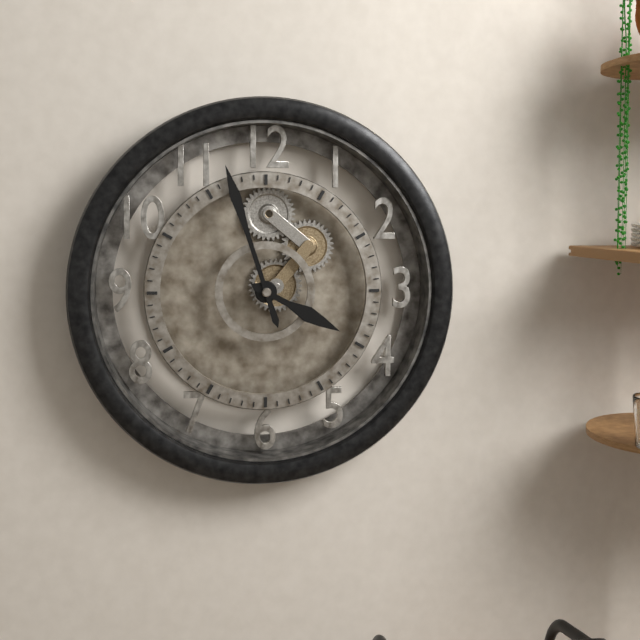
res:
h=3 m=57
